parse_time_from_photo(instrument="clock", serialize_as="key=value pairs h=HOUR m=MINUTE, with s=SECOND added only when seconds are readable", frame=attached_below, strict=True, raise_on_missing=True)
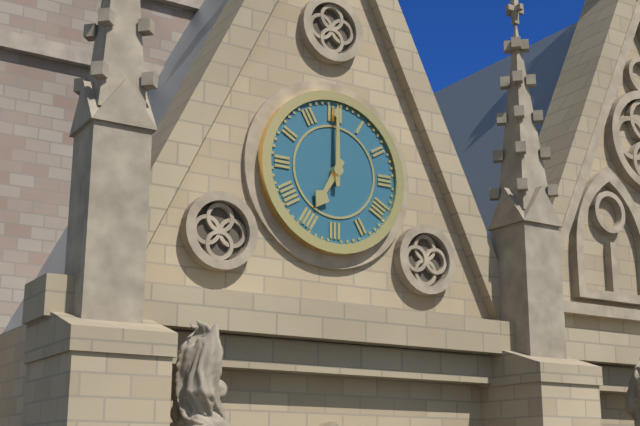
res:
h=7 m=0
